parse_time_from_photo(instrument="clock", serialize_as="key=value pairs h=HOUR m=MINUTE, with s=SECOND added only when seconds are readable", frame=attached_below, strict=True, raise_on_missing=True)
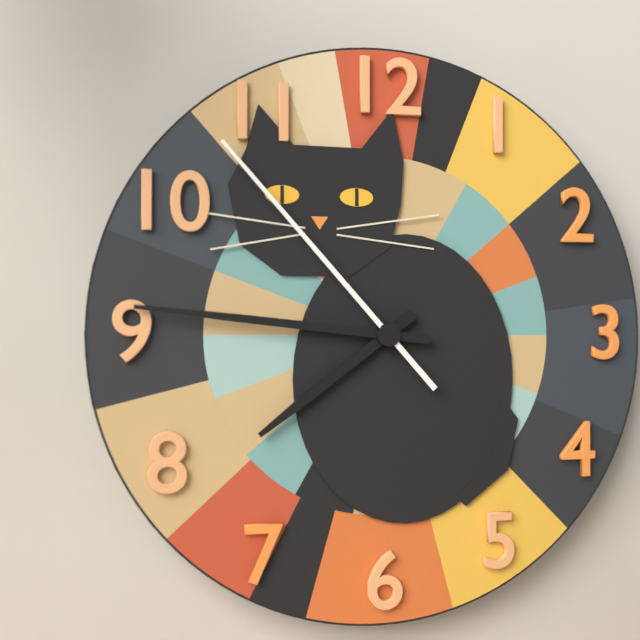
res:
h=7 m=46 s=53
